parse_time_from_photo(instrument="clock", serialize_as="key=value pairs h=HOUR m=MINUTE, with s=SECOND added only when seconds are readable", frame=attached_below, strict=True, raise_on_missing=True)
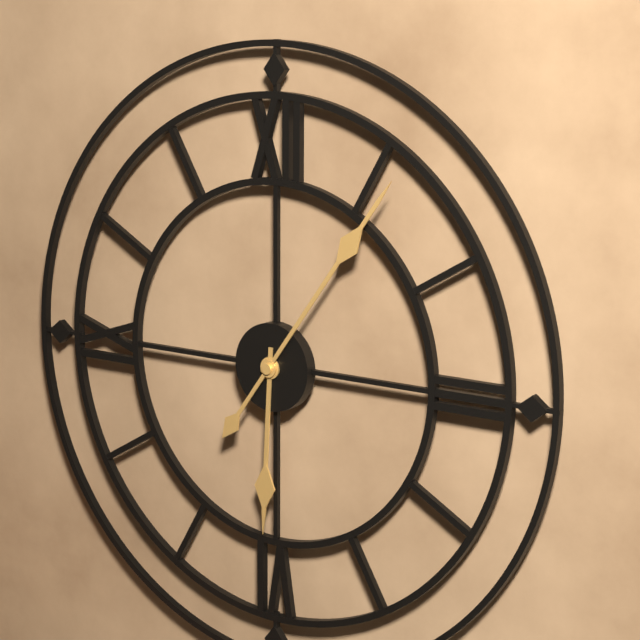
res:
h=6 m=6
